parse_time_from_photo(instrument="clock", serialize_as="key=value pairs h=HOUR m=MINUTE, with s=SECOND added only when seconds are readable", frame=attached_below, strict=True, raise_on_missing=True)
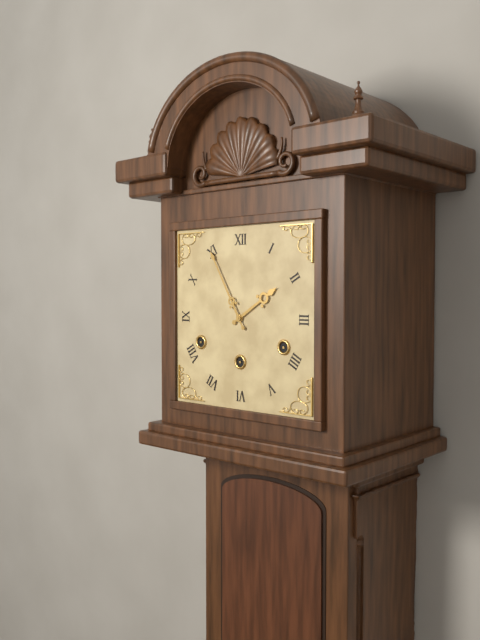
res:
h=1 m=55
